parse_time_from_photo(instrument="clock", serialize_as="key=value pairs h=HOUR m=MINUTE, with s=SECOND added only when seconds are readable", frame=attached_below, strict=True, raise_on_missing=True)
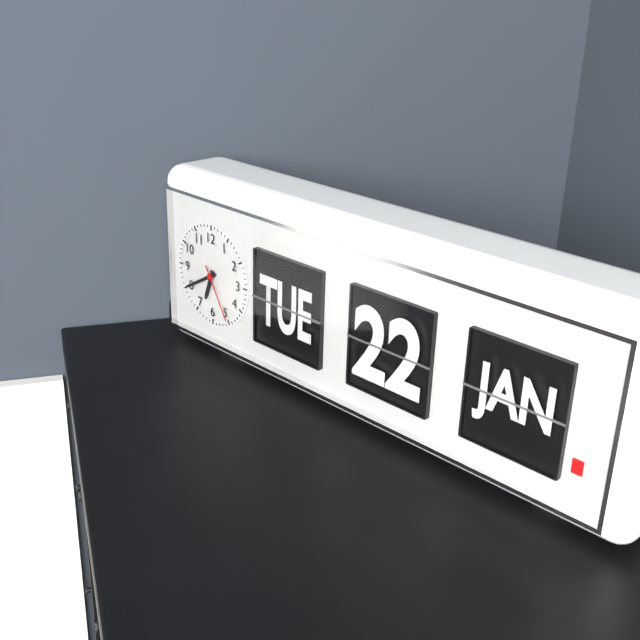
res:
h=6 m=40 s=25
